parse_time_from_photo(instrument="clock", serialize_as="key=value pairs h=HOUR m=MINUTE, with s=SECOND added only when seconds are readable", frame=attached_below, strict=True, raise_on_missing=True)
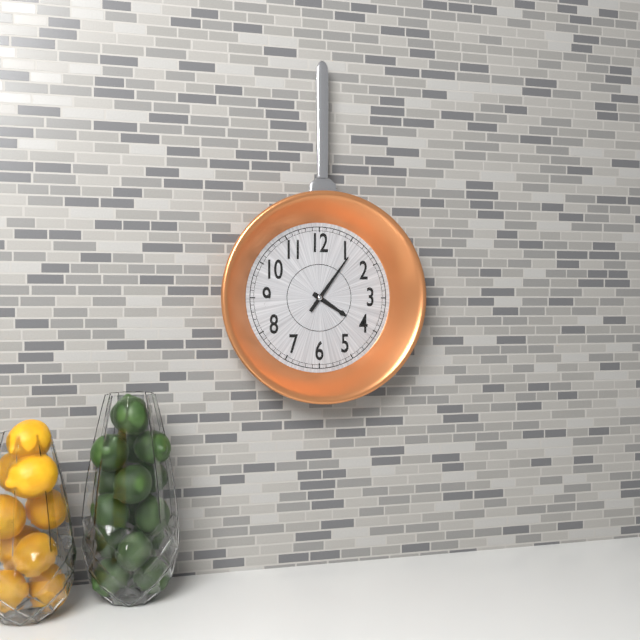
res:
h=4 m=6
